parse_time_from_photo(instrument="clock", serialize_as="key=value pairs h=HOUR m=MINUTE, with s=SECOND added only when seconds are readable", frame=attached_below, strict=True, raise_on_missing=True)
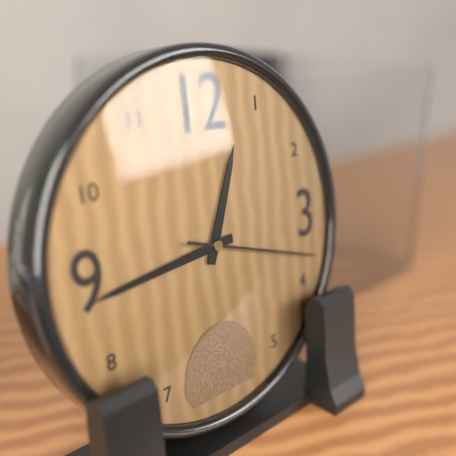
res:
h=12 m=44 s=18
